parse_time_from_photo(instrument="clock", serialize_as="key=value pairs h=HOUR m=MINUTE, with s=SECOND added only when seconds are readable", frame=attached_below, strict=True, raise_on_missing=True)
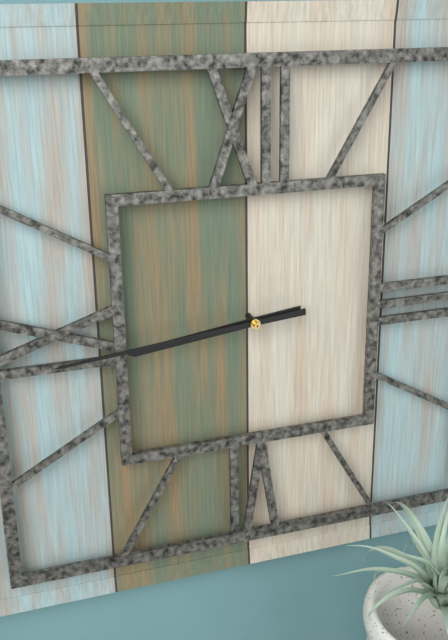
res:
h=8 m=44
